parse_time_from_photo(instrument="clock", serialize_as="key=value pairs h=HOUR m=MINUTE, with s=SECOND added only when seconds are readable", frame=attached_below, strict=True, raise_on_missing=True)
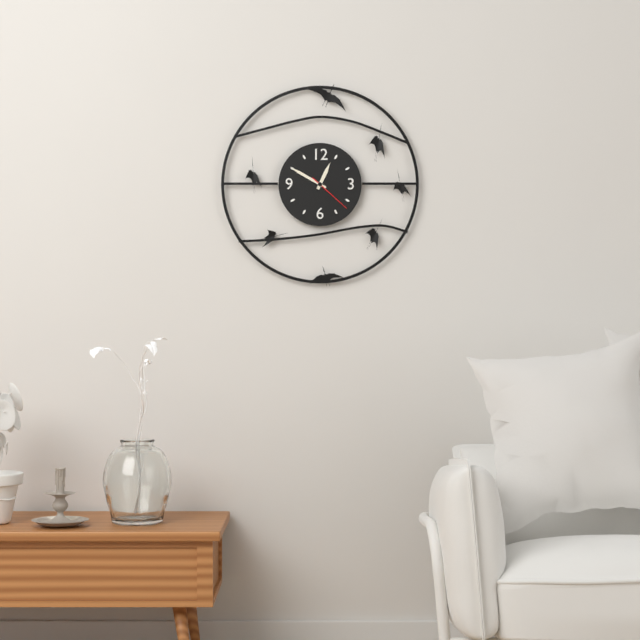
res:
h=12 m=50
